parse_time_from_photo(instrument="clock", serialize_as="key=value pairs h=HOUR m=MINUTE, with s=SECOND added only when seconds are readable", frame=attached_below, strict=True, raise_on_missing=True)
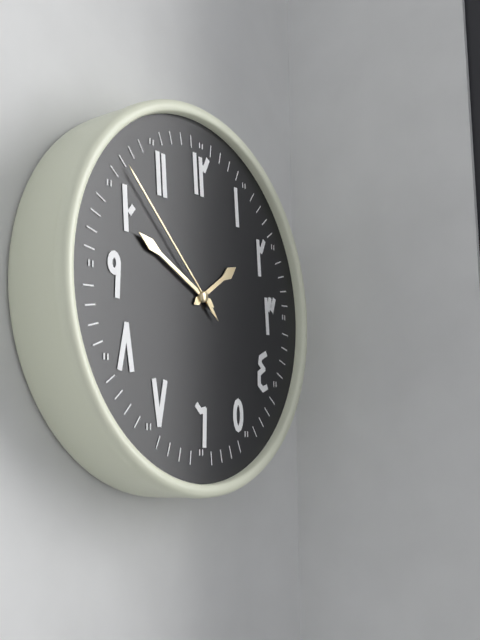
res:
h=1 m=49 s=52
